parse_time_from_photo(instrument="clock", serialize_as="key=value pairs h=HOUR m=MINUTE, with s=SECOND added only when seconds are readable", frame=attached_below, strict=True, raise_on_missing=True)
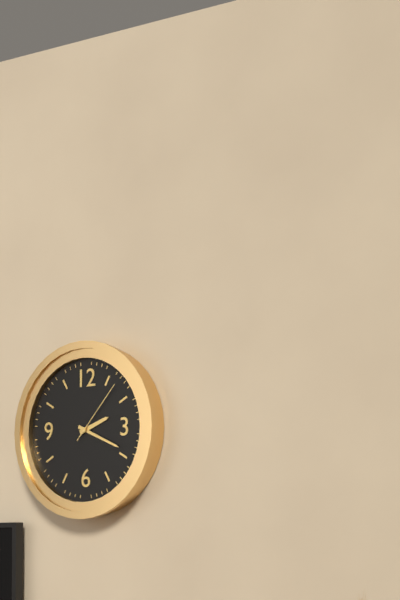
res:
h=2 m=19 s=7
